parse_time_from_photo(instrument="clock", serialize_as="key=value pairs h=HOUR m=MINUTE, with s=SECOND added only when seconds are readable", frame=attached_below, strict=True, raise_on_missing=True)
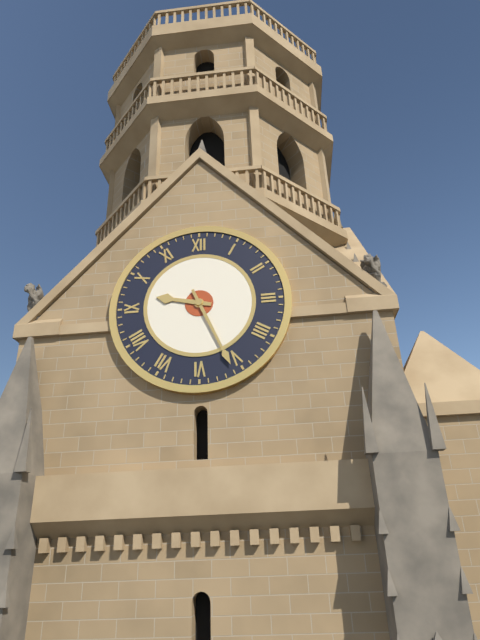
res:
h=9 m=26
